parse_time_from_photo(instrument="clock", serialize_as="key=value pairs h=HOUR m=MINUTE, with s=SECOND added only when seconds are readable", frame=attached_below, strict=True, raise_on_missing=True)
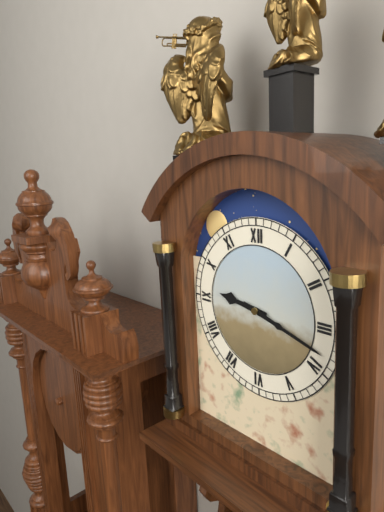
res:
h=9 m=18
